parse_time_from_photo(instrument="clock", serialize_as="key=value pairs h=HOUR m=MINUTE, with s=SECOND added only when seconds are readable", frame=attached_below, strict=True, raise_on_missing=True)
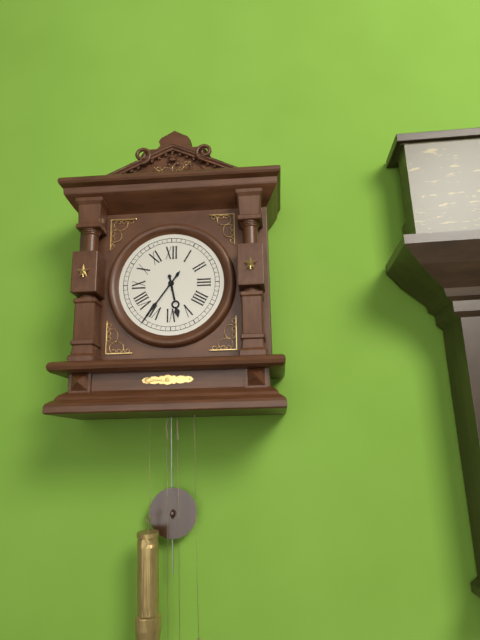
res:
h=5 m=36
